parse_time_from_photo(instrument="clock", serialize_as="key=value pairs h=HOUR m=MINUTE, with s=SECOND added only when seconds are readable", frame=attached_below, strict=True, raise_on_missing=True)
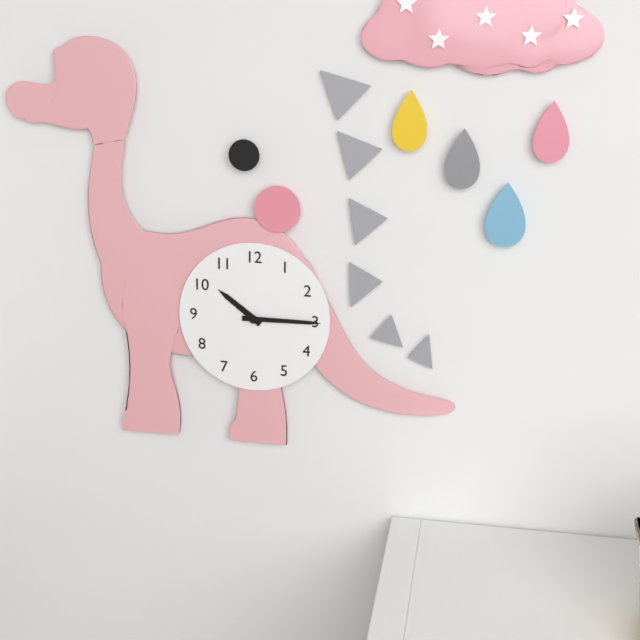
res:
h=10 m=15
